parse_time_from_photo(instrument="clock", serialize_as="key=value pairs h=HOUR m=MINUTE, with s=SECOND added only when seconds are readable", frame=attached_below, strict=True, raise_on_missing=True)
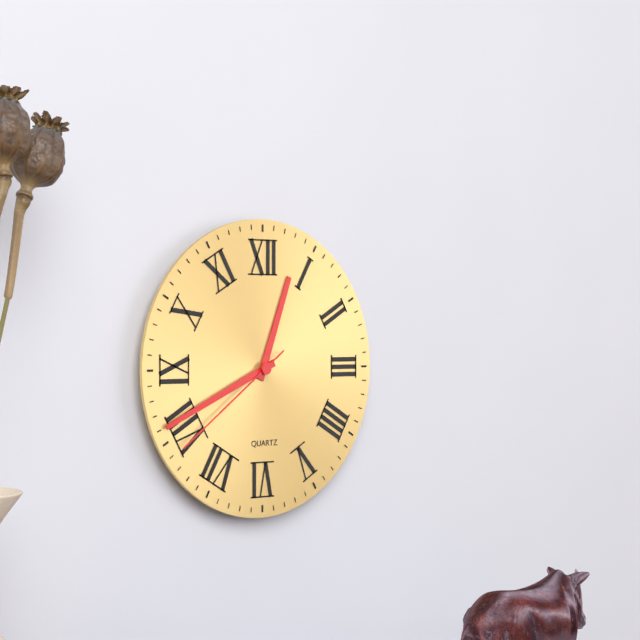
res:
h=12 m=41 s=39
